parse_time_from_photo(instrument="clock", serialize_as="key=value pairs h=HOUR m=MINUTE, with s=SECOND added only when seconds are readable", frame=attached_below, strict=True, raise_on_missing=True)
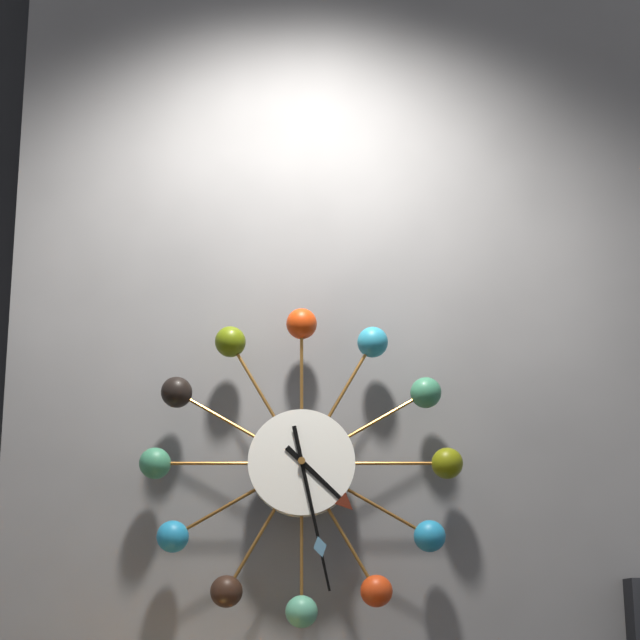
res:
h=4 m=28
